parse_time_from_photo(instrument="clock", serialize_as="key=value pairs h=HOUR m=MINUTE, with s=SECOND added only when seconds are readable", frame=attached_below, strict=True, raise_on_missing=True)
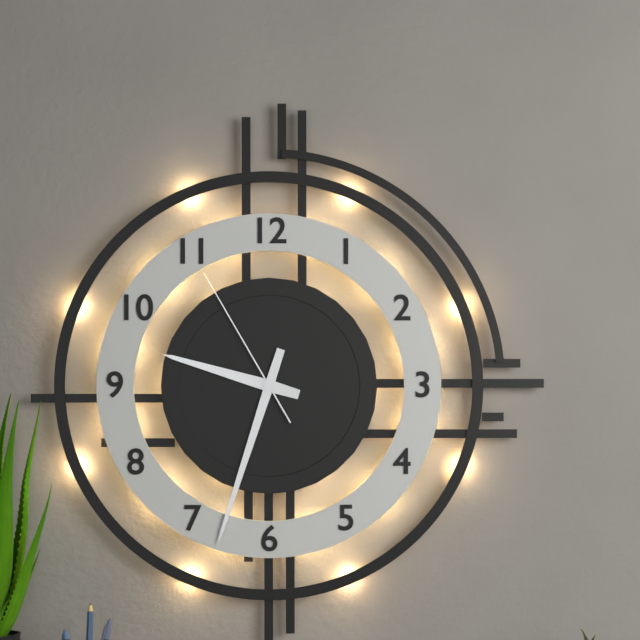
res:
h=9 m=33 s=55
